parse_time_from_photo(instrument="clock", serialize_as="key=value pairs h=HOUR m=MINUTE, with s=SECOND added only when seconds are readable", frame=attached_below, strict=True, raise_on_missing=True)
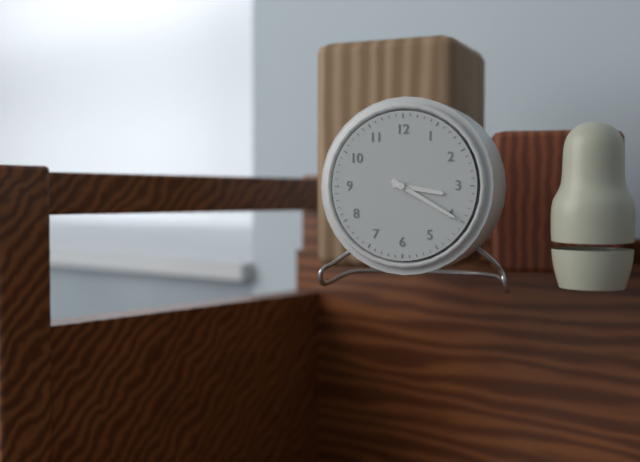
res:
h=3 m=20
